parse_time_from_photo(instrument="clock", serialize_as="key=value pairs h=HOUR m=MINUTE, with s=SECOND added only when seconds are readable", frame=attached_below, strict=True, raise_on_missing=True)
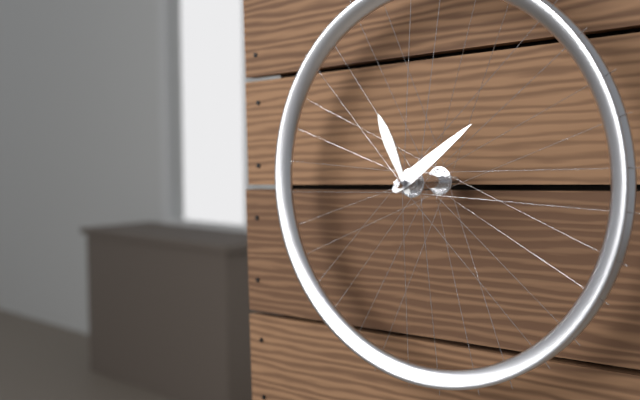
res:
h=11 m=9
